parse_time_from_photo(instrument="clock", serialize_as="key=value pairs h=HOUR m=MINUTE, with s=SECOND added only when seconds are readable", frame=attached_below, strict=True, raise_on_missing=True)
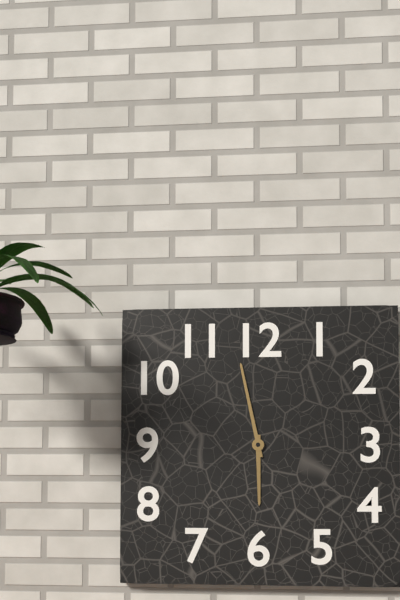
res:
h=5 m=58
